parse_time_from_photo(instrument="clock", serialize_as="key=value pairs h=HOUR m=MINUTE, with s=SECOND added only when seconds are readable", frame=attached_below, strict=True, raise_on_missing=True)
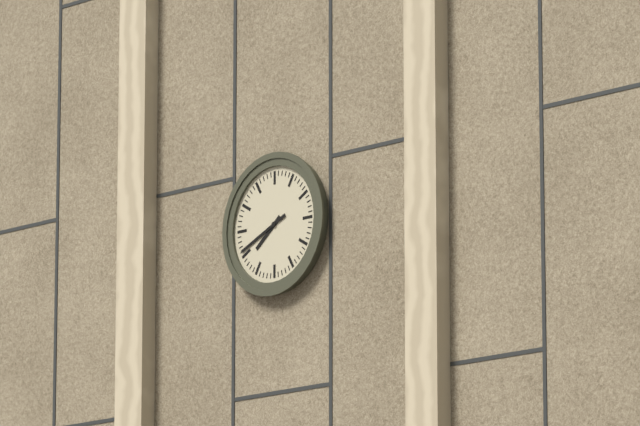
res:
h=7 m=41
